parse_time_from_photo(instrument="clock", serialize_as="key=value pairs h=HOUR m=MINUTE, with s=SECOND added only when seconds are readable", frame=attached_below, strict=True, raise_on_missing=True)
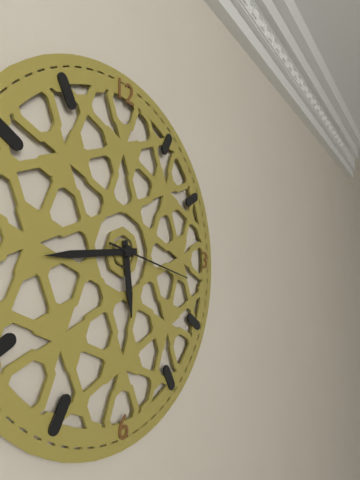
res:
h=5 m=44 s=17
